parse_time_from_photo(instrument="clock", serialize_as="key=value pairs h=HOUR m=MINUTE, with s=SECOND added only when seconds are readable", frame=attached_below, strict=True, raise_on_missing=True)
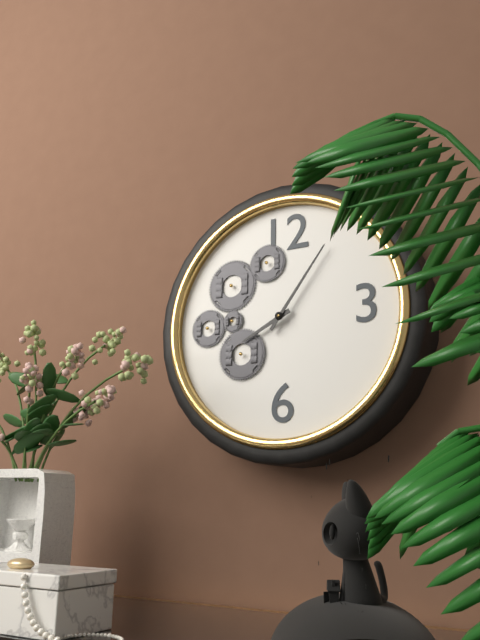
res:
h=8 m=6
